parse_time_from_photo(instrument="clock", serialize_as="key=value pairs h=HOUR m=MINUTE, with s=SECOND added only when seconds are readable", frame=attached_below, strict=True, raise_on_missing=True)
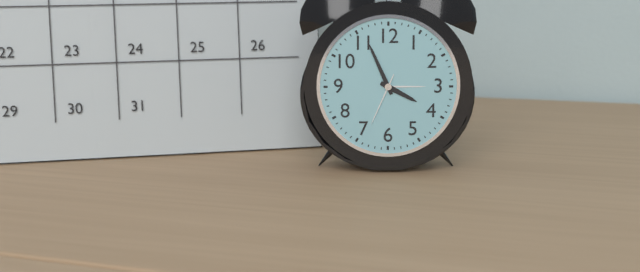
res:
h=3 m=56 s=34
